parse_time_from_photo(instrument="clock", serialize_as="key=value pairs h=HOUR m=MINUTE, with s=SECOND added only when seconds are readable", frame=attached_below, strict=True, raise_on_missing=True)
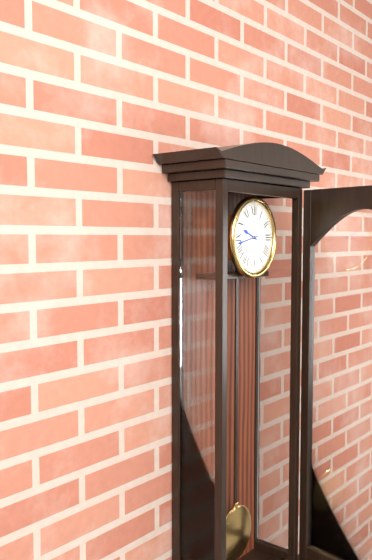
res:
h=9 m=43
